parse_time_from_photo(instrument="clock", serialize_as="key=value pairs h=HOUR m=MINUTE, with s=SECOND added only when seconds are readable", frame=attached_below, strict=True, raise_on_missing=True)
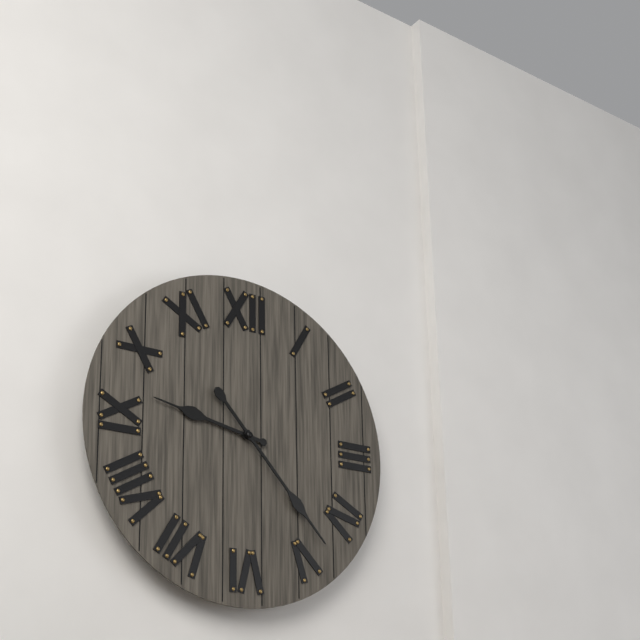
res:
h=9 m=23
